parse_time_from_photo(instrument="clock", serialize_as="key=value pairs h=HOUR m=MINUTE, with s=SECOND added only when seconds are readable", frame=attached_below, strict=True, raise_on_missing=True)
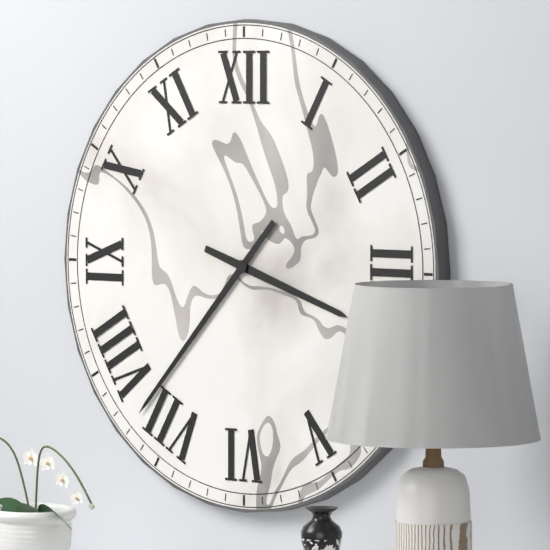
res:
h=3 m=37
